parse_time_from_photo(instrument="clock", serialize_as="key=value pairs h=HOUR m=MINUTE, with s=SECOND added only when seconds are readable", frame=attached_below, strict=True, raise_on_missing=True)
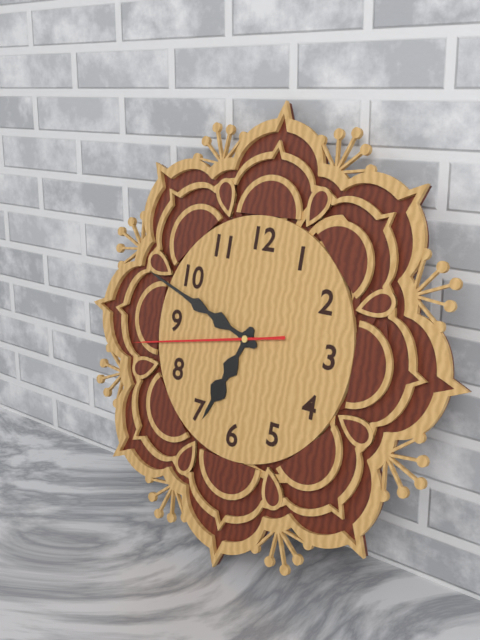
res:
h=6 m=48 s=43
